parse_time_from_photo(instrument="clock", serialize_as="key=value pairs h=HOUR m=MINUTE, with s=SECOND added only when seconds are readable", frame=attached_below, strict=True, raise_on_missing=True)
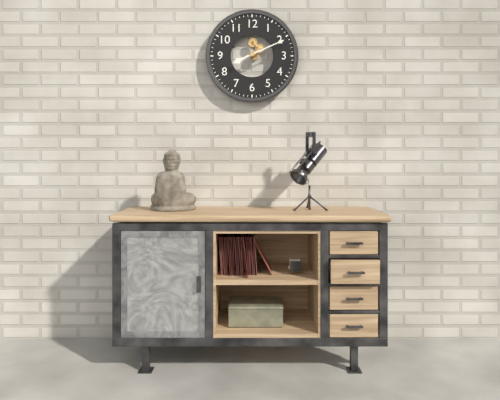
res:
h=8 m=11
